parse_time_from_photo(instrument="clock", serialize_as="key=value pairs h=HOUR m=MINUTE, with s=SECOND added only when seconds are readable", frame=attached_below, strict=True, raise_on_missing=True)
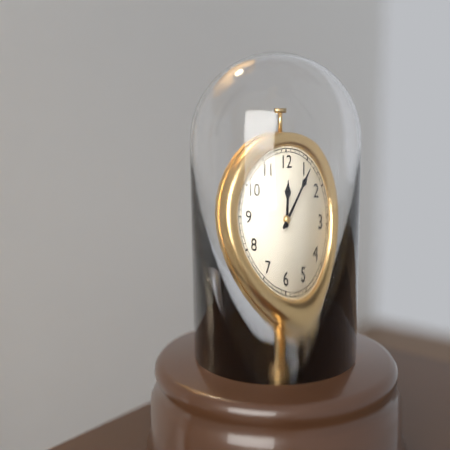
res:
h=12 m=6
